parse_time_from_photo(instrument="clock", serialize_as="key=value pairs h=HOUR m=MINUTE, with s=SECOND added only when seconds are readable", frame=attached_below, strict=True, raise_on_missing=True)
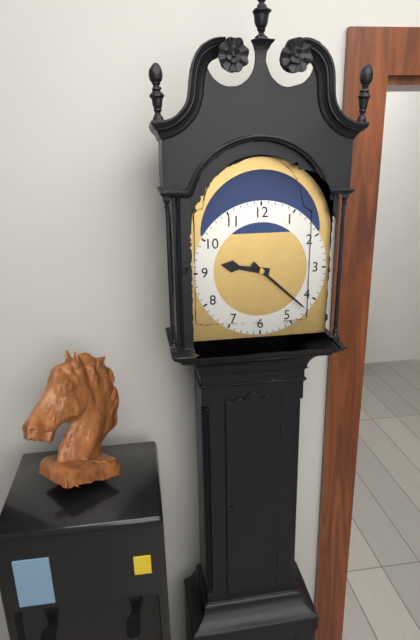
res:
h=9 m=22
